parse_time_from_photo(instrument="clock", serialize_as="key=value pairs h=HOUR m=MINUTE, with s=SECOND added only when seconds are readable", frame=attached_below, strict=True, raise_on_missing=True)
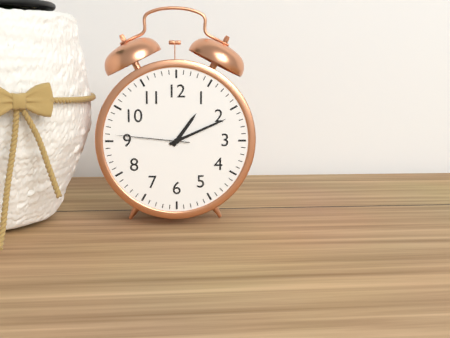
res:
h=1 m=11 s=46
